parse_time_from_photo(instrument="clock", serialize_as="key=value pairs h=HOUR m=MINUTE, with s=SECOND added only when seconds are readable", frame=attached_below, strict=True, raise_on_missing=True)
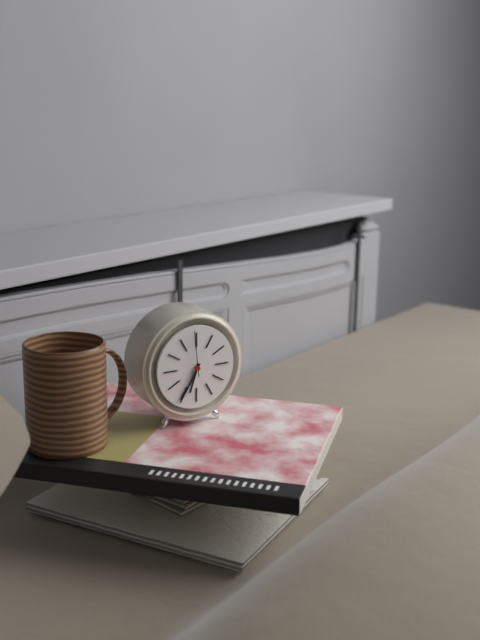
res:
h=6 m=35
